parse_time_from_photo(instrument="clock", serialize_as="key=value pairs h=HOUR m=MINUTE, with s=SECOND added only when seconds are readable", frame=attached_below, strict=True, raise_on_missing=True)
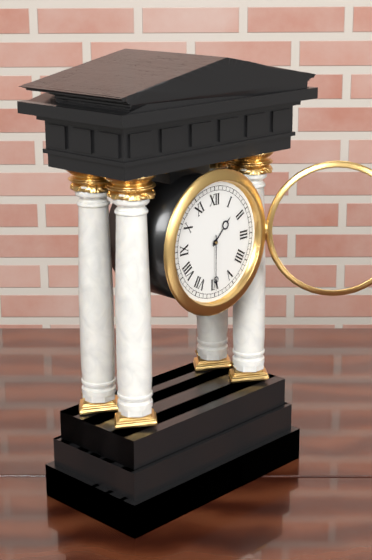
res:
h=1 m=30
